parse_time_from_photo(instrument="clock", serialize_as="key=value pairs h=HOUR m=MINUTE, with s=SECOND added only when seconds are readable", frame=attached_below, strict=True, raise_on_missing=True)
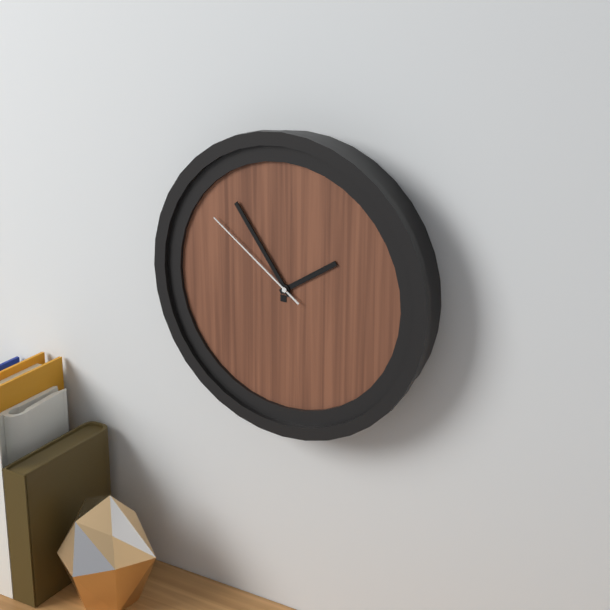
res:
h=1 m=54 s=51
